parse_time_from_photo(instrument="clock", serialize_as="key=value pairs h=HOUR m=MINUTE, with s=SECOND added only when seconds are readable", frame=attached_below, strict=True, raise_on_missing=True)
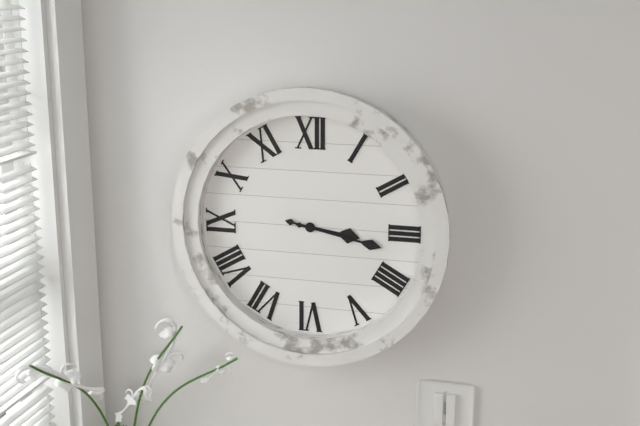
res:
h=3 m=17
